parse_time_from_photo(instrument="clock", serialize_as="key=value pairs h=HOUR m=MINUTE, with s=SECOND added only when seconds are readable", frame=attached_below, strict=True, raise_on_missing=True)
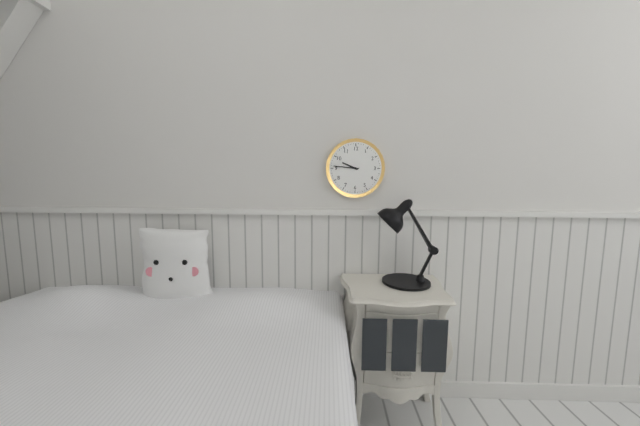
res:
h=9 m=46
